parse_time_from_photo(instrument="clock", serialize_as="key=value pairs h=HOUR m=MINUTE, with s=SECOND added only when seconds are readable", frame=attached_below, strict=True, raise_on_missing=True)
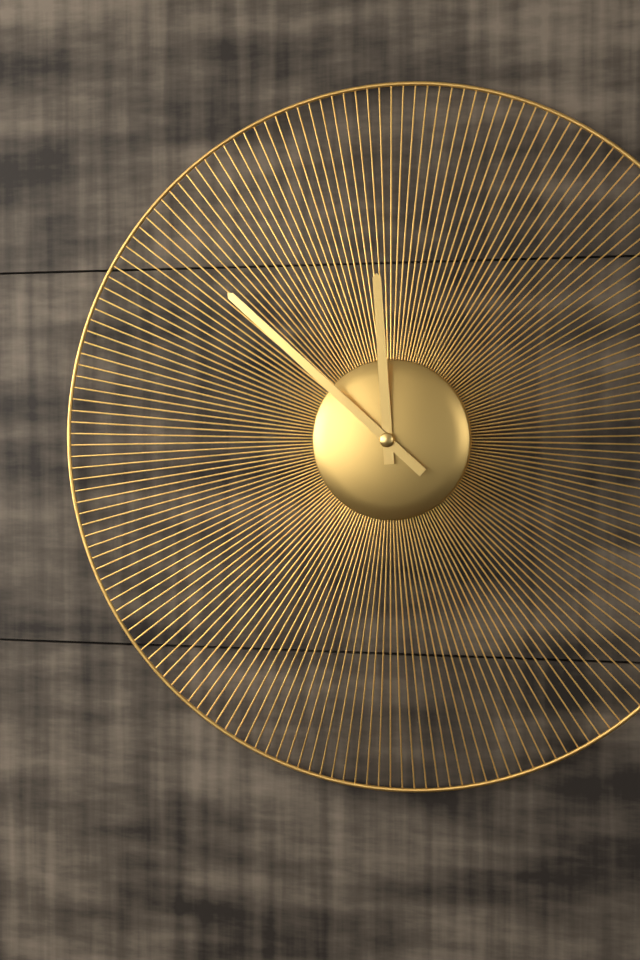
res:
h=11 m=52
